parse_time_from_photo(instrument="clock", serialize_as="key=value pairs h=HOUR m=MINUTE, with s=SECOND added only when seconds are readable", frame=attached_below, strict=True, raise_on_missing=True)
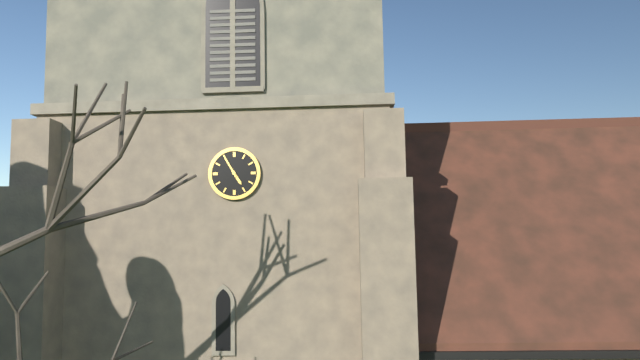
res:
h=4 m=55
